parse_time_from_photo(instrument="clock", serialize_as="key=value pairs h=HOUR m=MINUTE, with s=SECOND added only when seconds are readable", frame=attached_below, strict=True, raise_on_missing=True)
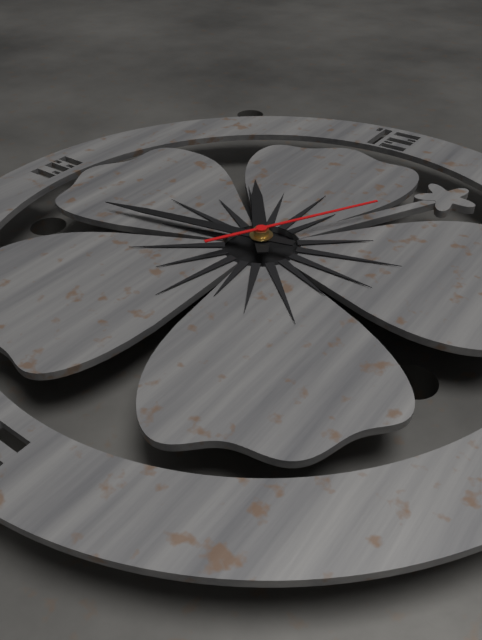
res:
h=10 m=43 s=5
